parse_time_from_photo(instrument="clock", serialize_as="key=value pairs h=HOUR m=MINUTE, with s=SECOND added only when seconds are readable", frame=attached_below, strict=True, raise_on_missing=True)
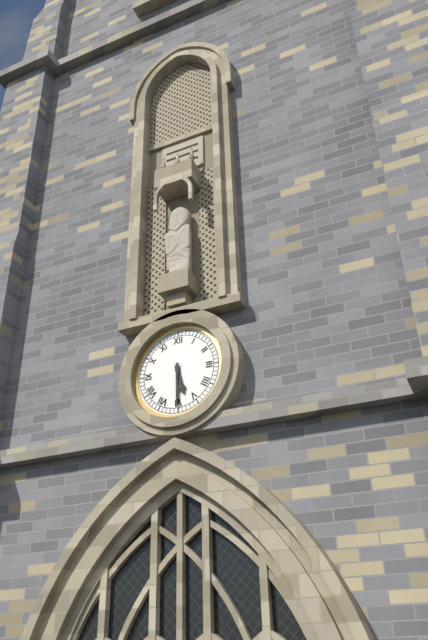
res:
h=5 m=30
